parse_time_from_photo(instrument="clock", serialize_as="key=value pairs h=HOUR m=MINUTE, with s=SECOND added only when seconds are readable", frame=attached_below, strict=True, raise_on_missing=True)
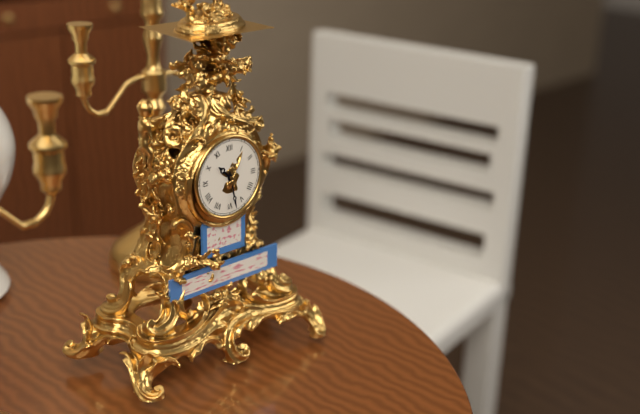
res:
h=10 m=28
